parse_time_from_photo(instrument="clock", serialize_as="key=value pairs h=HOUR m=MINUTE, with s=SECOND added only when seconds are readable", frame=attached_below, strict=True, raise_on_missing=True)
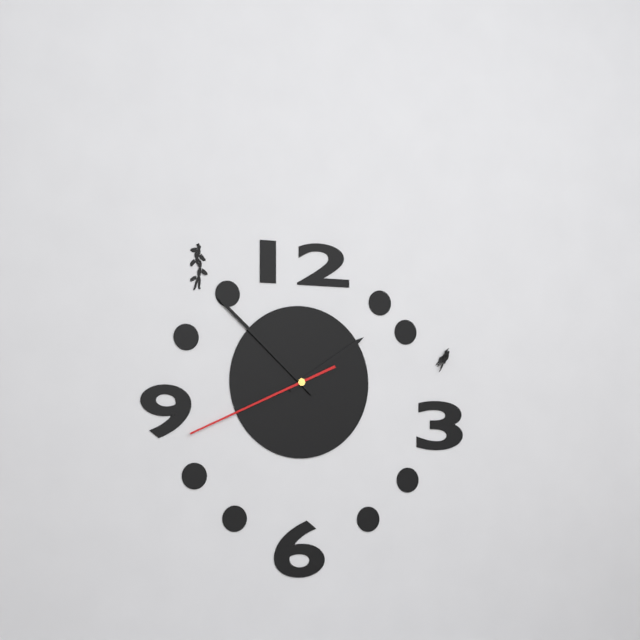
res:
h=1 m=52 s=41
